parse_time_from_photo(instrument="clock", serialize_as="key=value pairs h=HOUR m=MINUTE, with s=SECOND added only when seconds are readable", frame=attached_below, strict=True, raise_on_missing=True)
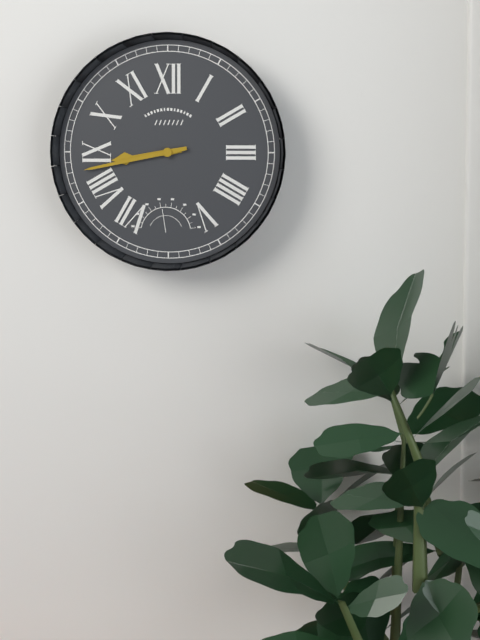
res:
h=8 m=43
